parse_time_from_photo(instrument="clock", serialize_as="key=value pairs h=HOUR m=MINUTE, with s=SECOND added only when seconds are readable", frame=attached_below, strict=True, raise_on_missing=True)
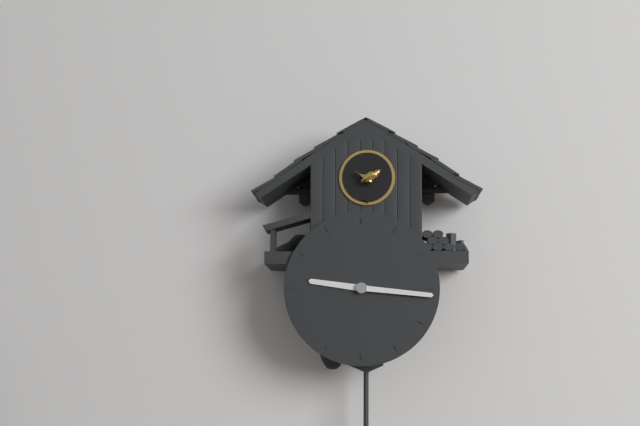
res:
h=9 m=16
